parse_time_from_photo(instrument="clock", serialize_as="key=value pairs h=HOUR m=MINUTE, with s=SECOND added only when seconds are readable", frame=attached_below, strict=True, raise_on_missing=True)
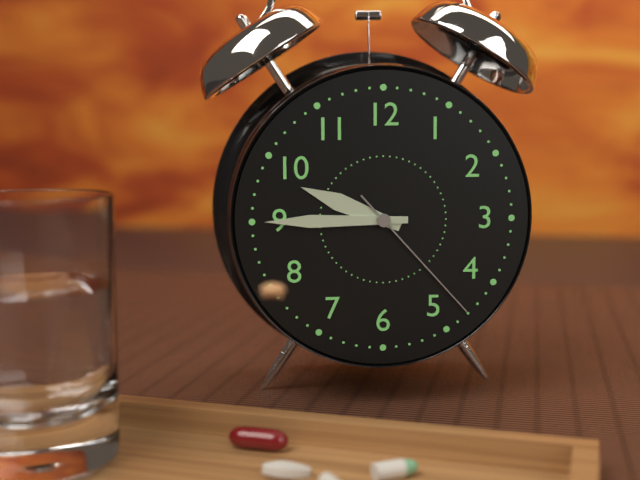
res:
h=9 m=45 s=23
